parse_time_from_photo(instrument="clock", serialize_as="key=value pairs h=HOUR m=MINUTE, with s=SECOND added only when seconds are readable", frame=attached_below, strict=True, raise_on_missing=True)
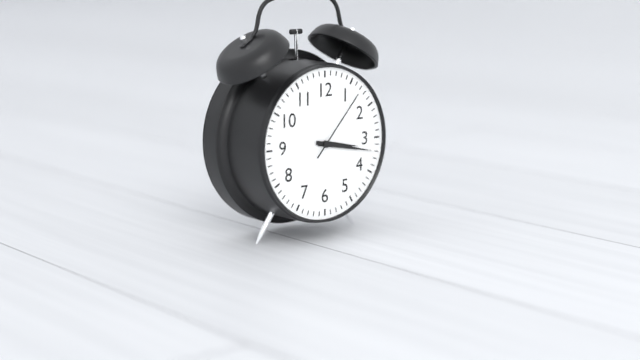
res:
h=3 m=17 s=7
